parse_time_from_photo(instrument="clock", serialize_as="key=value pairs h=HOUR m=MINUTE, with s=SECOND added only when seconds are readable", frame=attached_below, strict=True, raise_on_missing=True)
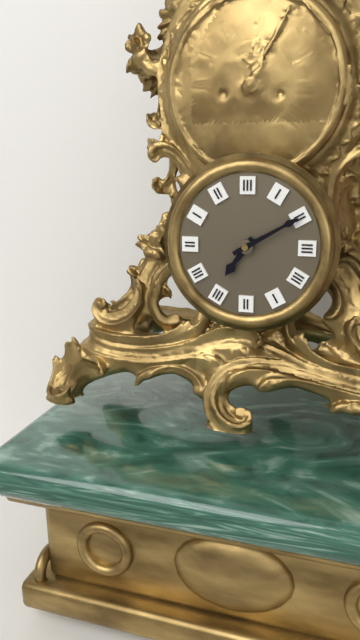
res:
h=7 m=10
